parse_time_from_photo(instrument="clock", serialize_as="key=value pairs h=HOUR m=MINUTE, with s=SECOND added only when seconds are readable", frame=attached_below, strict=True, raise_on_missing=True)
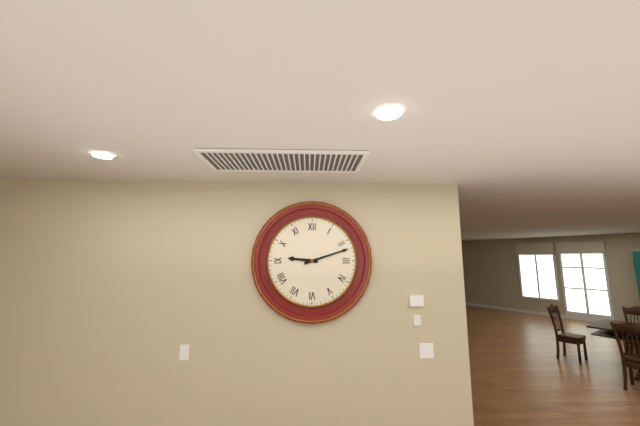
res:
h=9 m=12
